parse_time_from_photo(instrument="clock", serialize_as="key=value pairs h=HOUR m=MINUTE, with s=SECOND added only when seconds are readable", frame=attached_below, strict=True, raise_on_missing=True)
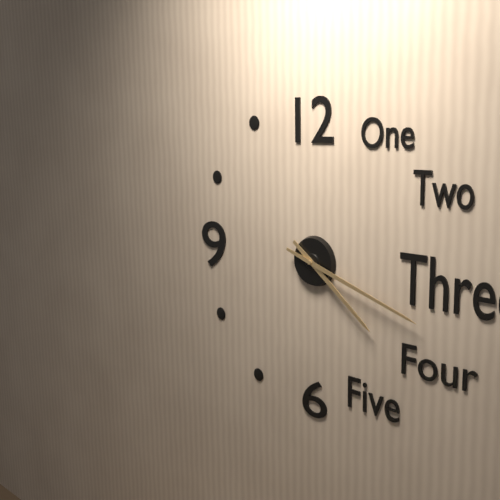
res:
h=4 m=18
